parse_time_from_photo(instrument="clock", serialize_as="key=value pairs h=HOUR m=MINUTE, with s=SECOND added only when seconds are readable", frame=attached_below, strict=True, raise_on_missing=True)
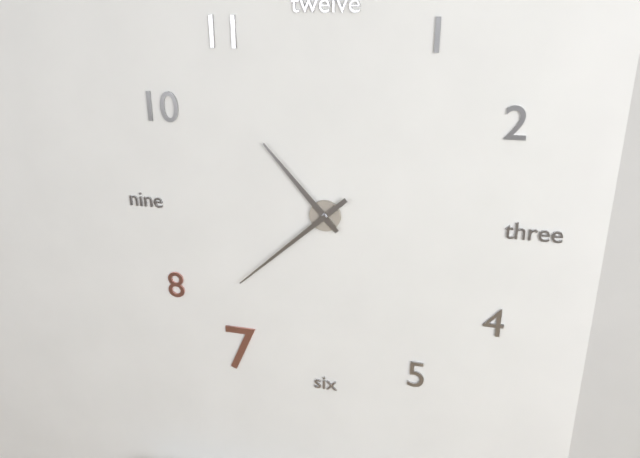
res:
h=10 m=38
